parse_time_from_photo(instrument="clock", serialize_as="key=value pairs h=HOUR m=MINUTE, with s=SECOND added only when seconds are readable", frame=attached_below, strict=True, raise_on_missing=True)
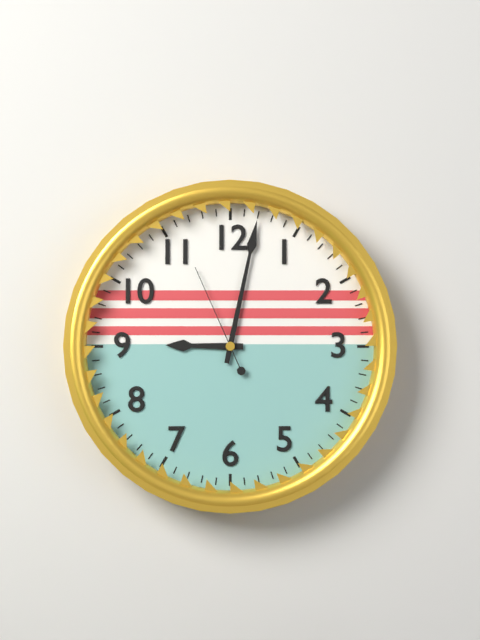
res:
h=9 m=2 s=56
